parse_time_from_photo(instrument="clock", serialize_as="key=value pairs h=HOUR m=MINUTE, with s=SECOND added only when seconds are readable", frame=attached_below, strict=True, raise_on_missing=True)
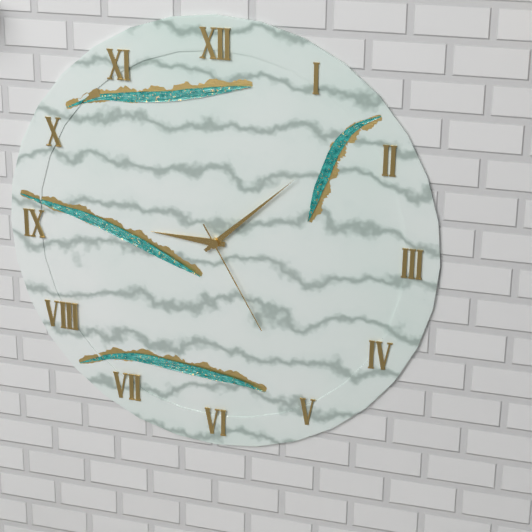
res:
h=9 m=8 s=25
